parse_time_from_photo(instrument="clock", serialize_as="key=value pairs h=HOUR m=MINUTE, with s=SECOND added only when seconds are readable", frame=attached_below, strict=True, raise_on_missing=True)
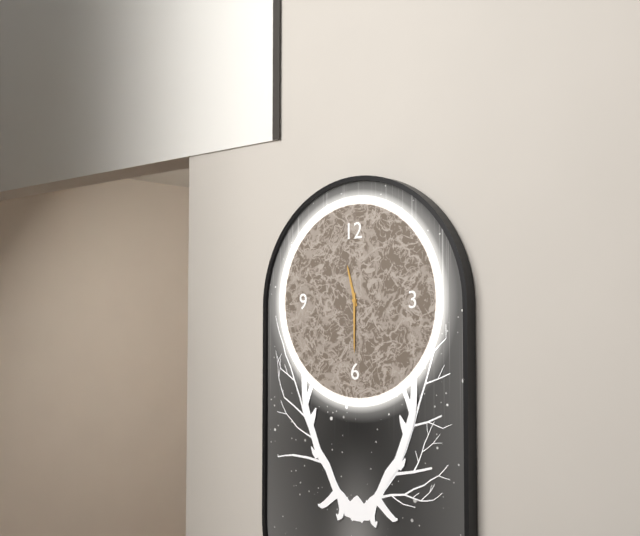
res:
h=11 m=30
